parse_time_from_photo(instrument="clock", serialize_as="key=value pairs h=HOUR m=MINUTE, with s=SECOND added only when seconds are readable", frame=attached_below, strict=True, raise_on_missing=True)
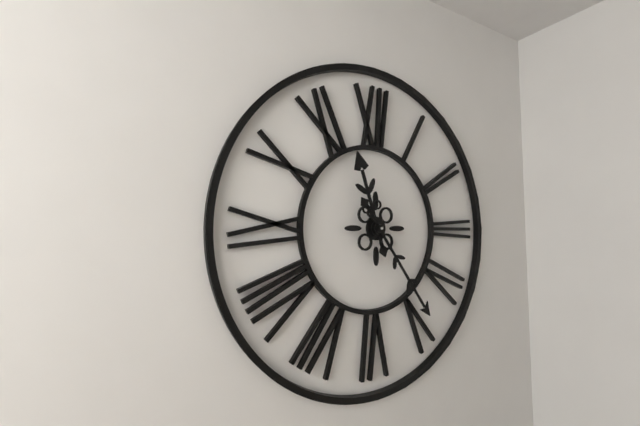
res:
h=11 m=24
